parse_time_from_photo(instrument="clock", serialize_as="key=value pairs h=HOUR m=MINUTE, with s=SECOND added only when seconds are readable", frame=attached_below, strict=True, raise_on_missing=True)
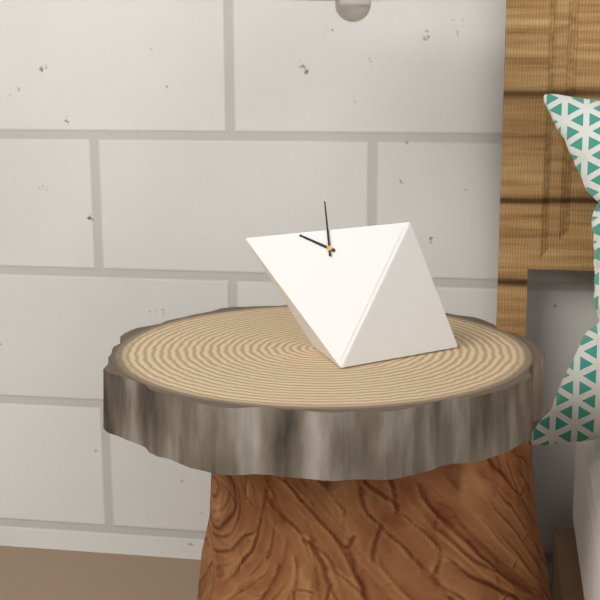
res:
h=10 m=0
